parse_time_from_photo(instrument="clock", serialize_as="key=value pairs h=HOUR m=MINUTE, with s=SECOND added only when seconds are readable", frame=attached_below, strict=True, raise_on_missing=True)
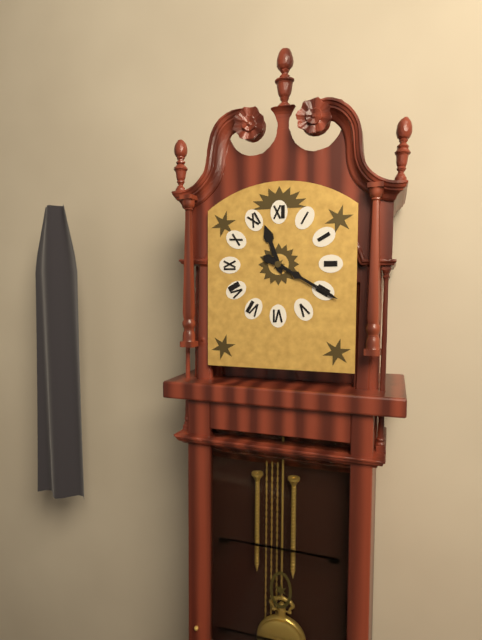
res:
h=11 m=20
